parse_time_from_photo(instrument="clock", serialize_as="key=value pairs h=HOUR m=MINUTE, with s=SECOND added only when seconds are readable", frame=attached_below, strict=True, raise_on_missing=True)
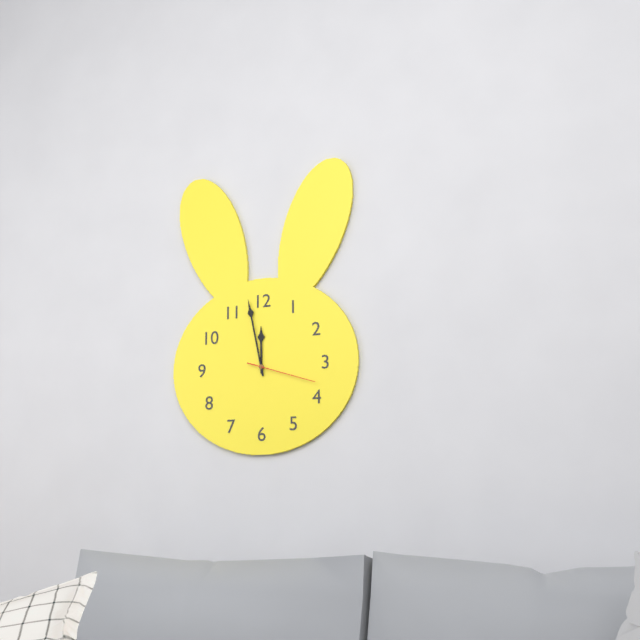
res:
h=11 m=58 s=18
